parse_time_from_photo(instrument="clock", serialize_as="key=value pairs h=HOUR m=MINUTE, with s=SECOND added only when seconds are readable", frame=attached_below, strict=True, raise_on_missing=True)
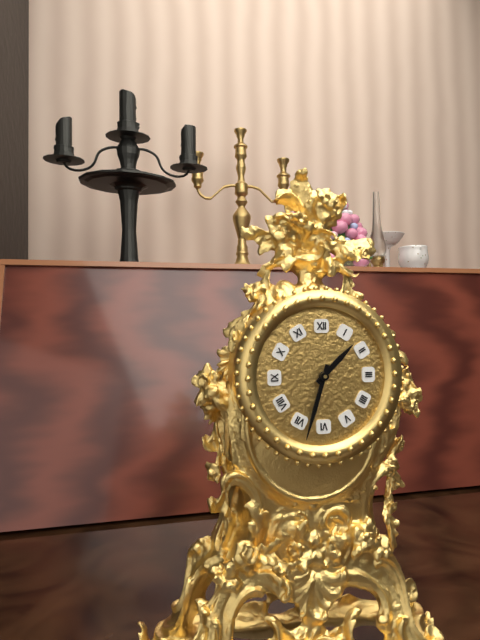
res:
h=1 m=33
